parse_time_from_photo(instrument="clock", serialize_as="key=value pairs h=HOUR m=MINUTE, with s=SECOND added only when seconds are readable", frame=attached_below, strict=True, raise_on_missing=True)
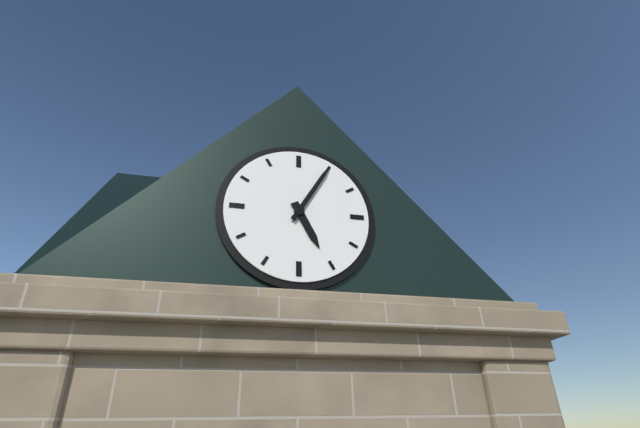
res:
h=5 m=5
